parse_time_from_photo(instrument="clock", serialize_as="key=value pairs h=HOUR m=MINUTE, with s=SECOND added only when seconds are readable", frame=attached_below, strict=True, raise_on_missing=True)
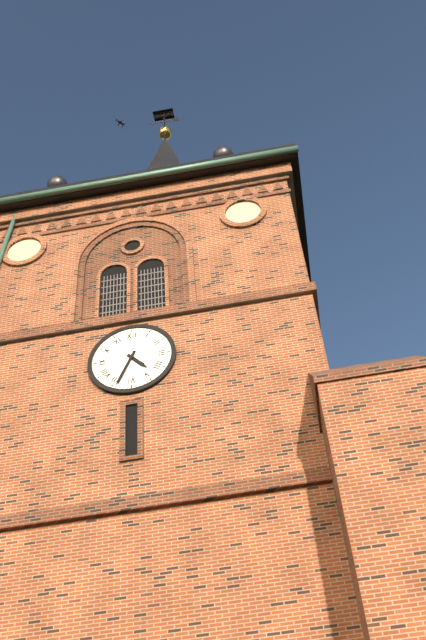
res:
h=4 m=34
